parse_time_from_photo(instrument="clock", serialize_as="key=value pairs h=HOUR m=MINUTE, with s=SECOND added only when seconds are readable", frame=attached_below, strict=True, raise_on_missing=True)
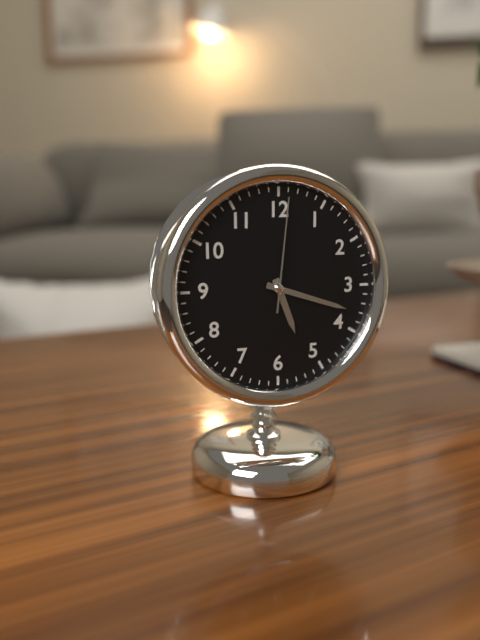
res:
h=5 m=18 s=1
